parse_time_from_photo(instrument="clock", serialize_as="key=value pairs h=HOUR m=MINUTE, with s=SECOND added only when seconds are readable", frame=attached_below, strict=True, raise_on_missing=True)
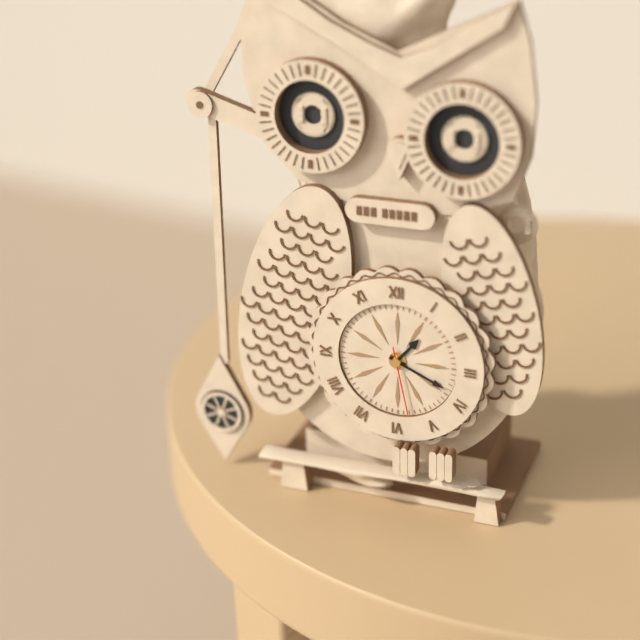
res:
h=1 m=19 s=28
